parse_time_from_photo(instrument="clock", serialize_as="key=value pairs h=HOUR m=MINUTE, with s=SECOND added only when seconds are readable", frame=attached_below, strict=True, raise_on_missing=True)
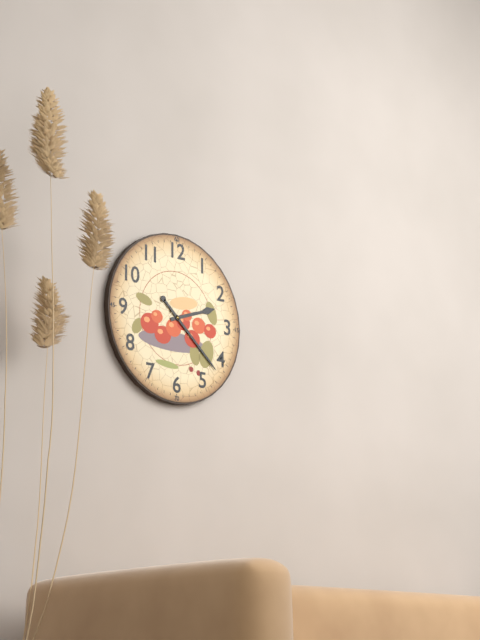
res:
h=2 m=22
